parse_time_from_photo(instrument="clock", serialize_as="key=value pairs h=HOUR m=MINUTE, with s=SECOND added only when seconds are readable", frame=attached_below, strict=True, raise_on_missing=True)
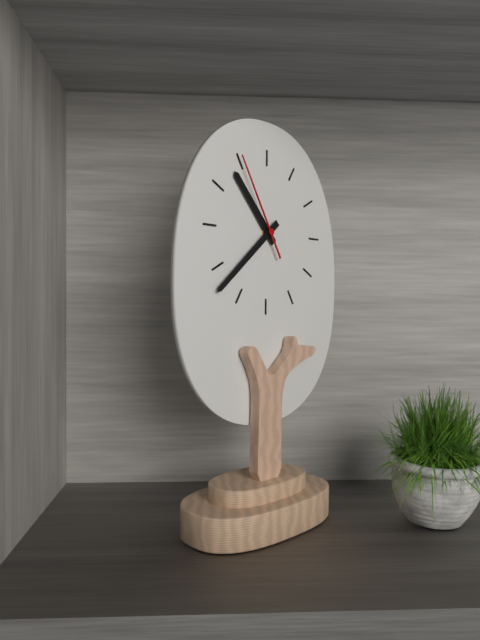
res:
h=10 m=38 s=55
